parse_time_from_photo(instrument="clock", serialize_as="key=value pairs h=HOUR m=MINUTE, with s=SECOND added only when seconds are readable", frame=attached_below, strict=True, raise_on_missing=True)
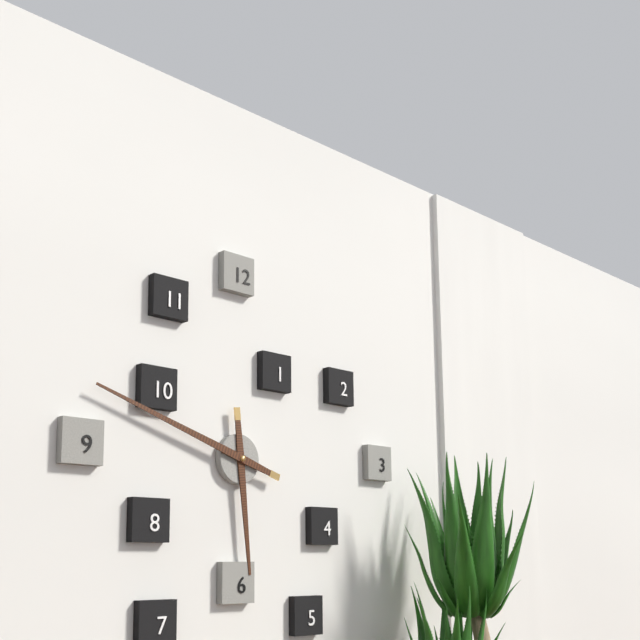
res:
h=5 m=48
